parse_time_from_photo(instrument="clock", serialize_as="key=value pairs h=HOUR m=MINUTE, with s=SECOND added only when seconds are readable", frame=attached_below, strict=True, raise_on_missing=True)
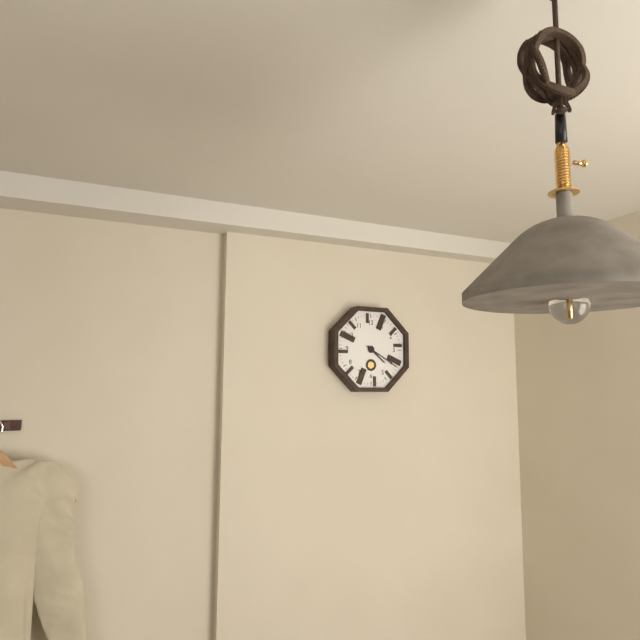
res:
h=4 m=20
